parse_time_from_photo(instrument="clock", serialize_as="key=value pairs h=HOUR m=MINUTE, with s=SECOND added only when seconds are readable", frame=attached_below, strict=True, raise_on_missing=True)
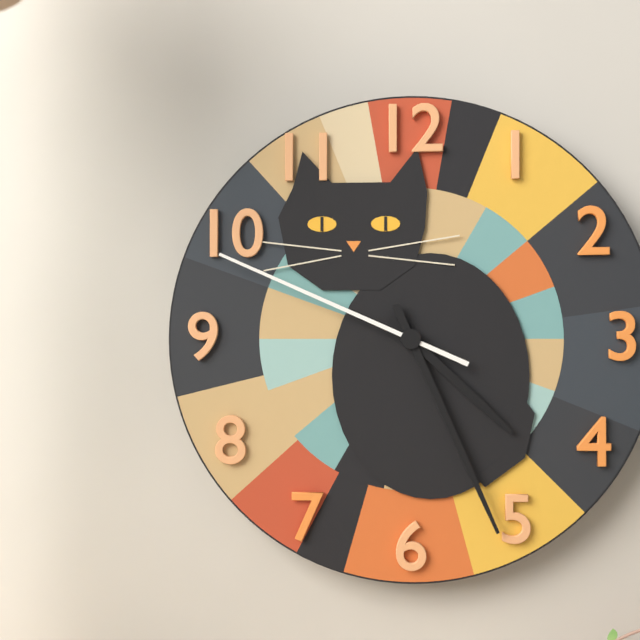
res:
h=4 m=26 s=49
